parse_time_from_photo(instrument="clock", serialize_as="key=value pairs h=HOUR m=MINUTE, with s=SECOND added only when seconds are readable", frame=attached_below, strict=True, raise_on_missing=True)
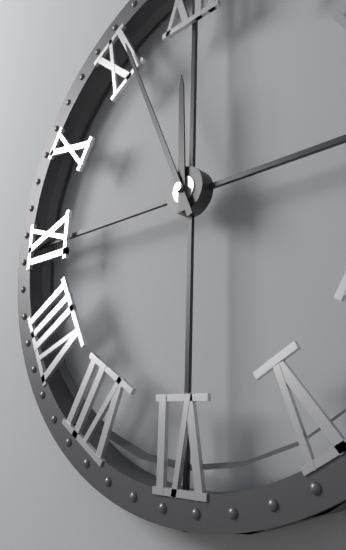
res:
h=11 m=56
